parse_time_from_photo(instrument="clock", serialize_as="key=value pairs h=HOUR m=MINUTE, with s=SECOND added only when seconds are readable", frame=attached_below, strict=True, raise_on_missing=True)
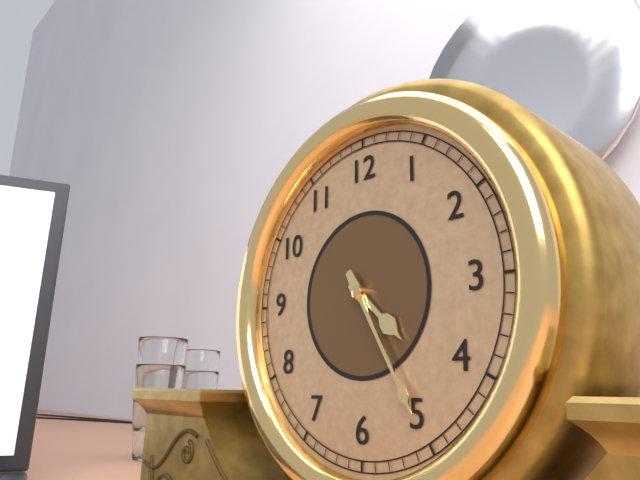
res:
h=4 m=25
